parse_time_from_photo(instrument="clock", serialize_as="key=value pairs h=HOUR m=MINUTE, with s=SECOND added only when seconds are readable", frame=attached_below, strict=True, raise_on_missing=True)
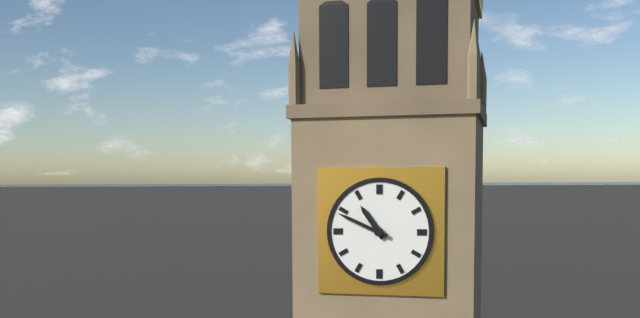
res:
h=10 m=49
